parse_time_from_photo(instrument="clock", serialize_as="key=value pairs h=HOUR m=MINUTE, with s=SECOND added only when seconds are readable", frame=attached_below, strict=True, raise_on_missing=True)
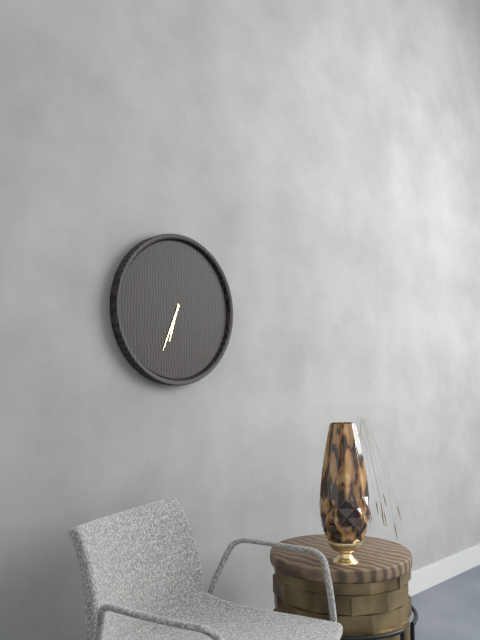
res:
h=6 m=34
